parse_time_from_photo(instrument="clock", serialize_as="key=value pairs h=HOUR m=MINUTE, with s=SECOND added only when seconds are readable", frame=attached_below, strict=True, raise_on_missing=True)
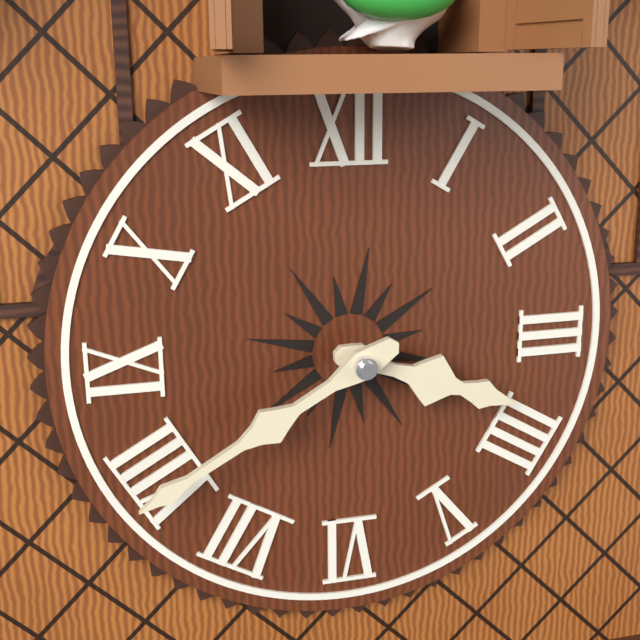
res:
h=3 m=40
